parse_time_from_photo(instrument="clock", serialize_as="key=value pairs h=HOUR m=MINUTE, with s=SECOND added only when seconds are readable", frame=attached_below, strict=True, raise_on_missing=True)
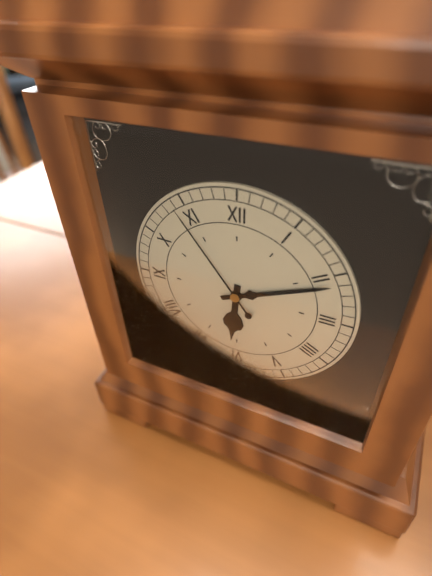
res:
h=6 m=11 s=54
